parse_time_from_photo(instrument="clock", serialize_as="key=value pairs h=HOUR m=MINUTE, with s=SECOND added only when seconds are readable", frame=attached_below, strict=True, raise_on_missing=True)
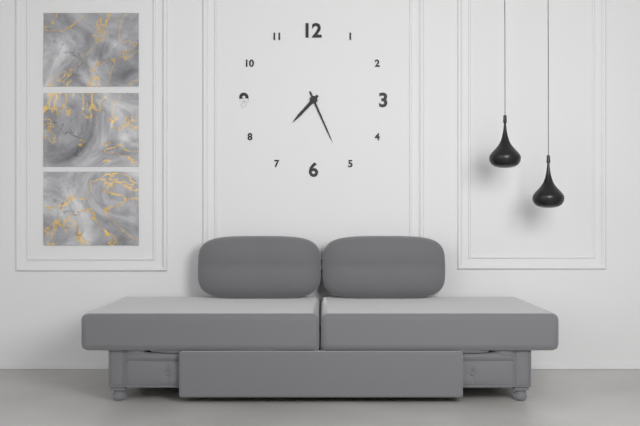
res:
h=7 m=26
